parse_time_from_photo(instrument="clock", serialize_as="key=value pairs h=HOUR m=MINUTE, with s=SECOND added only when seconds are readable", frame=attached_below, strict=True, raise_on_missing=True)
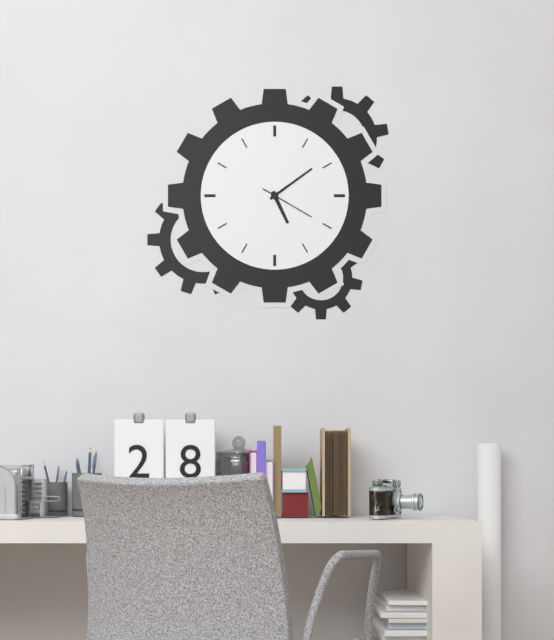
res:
h=5 m=9 s=20
